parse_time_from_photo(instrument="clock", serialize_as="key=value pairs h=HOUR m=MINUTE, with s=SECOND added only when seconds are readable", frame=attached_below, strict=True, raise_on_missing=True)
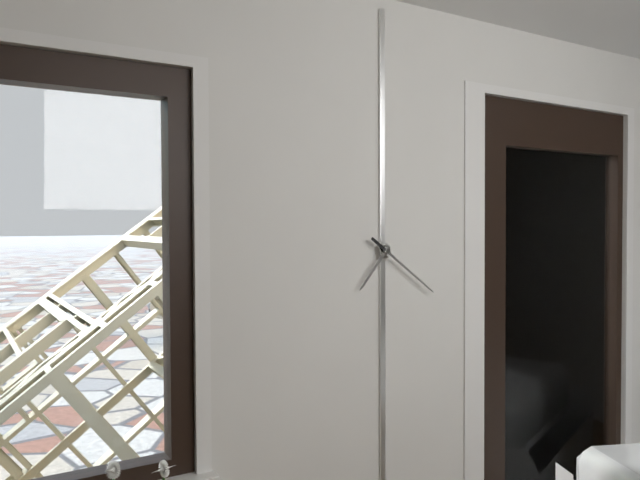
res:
h=7 m=21
